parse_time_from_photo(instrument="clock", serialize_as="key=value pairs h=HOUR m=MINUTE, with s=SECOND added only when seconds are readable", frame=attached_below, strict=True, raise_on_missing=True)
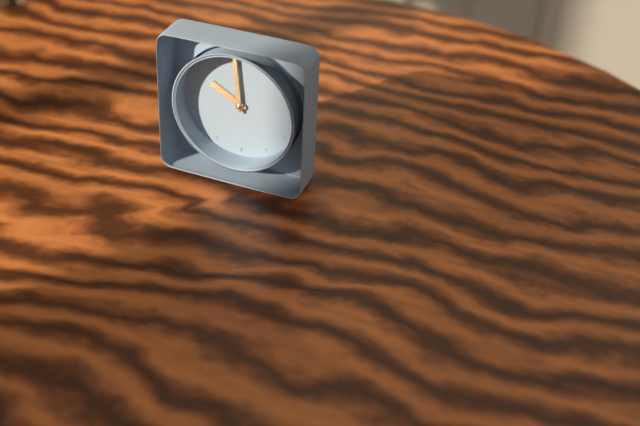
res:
h=9 m=59
